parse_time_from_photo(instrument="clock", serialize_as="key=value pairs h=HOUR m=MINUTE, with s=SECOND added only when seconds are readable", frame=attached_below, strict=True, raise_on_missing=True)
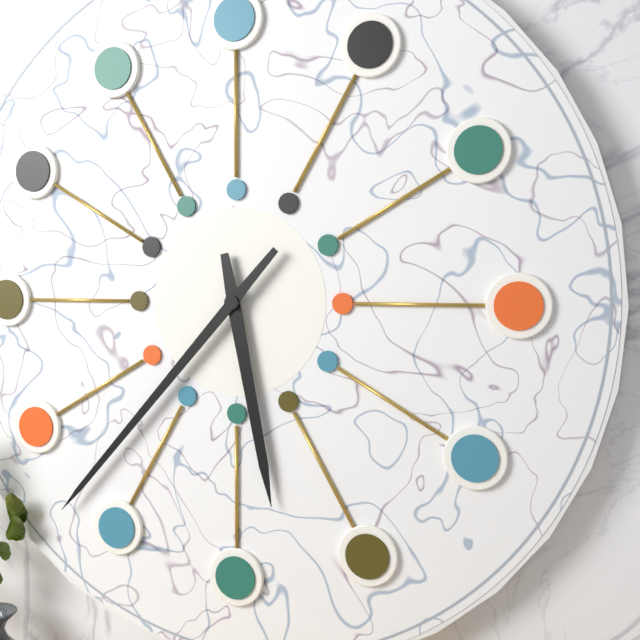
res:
h=5 m=37
